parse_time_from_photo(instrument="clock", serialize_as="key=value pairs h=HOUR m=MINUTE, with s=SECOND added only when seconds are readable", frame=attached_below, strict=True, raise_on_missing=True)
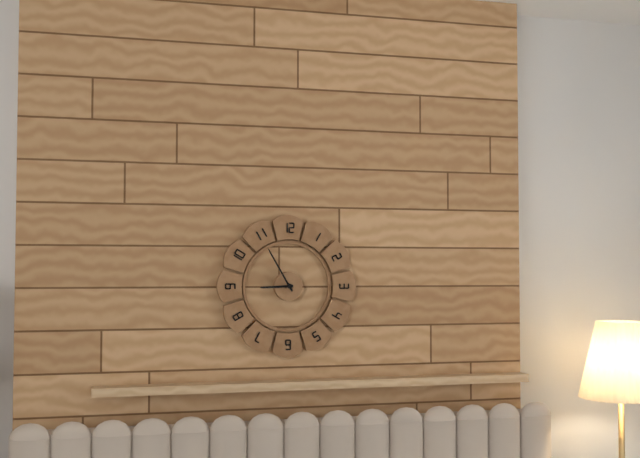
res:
h=8 m=55
